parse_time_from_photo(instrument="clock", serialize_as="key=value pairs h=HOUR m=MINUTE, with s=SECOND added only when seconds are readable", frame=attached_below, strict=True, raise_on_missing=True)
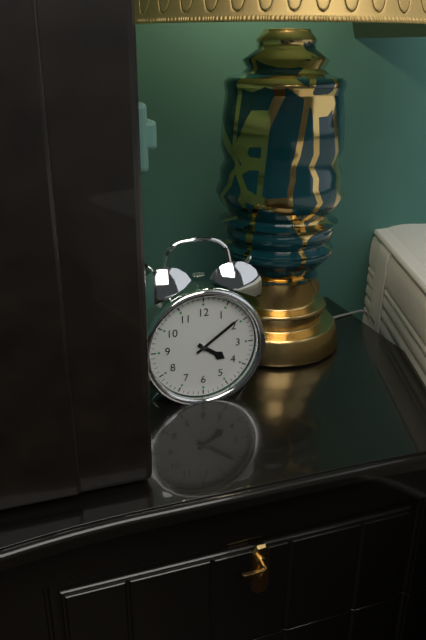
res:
h=4 m=9
